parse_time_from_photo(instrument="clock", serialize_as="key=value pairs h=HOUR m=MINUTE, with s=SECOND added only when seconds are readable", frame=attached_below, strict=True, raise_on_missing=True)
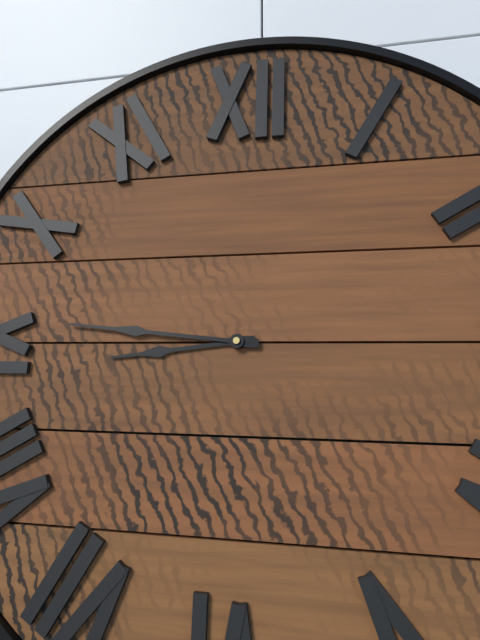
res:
h=8 m=46
